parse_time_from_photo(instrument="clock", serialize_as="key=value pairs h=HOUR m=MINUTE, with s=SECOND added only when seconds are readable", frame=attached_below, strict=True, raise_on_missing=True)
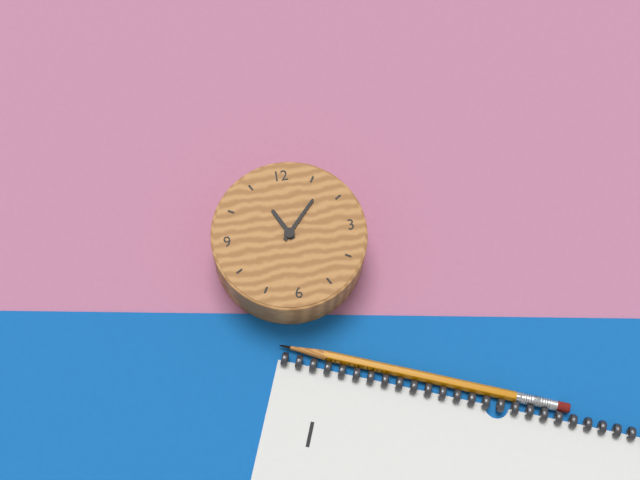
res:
h=11 m=7
